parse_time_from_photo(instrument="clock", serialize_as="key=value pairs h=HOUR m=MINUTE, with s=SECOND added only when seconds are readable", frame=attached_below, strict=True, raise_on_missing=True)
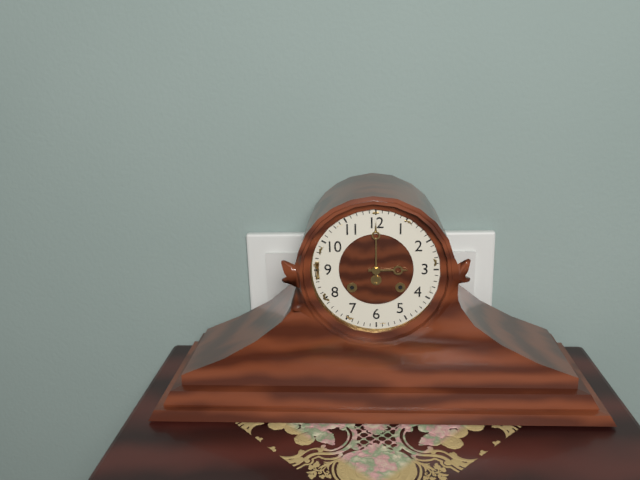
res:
h=3 m=0
